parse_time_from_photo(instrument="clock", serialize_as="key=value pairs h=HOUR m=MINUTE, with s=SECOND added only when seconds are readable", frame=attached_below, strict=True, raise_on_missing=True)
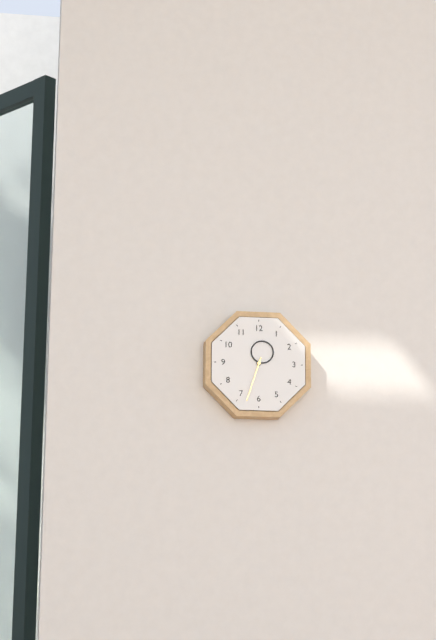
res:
h=12 m=33
